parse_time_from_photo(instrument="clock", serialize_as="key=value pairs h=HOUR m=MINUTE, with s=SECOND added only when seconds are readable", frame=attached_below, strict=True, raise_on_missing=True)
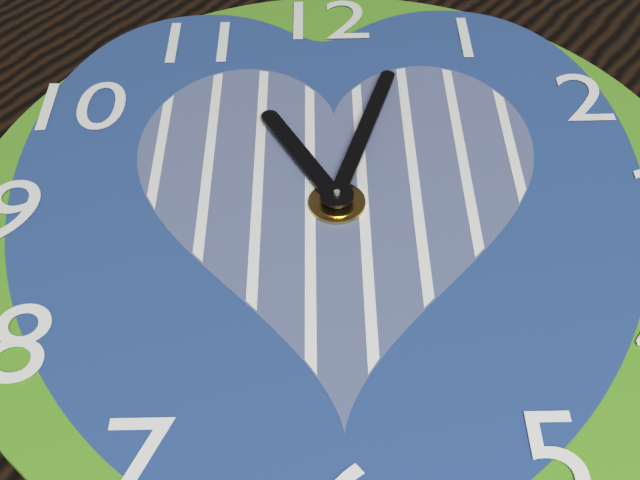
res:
h=11 m=3
